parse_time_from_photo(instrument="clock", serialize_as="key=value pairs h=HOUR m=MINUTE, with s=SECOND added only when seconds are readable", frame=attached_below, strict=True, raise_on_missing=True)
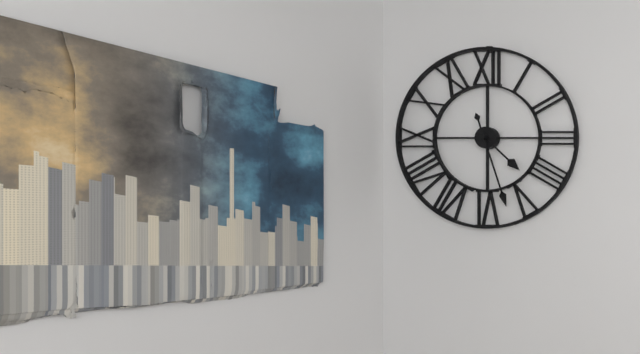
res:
h=4 m=27
